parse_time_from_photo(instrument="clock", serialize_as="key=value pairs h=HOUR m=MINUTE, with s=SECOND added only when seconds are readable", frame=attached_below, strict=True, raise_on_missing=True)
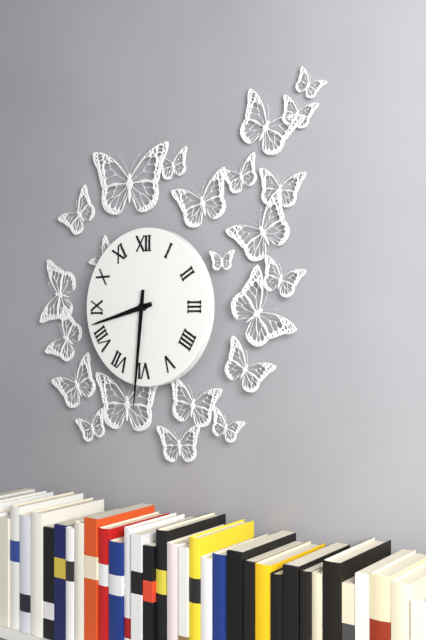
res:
h=8 m=31
